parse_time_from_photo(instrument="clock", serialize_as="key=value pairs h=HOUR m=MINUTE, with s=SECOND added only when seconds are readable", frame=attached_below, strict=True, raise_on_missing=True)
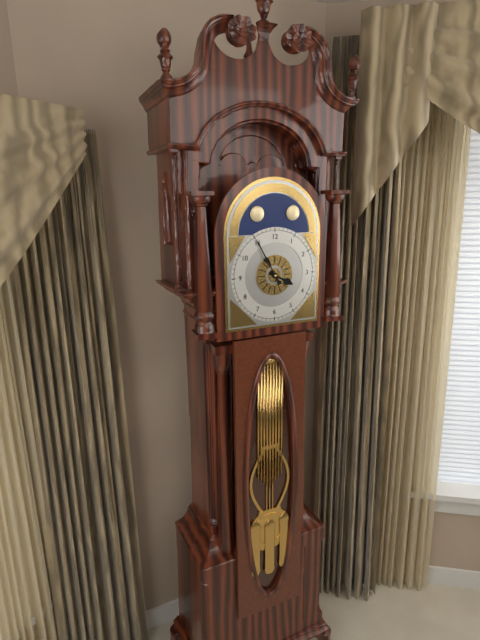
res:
h=3 m=55
